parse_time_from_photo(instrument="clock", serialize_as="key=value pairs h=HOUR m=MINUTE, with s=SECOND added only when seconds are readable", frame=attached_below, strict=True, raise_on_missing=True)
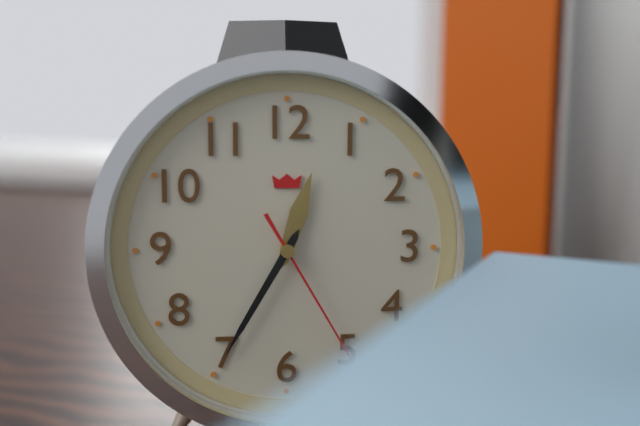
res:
h=12 m=35 s=25
